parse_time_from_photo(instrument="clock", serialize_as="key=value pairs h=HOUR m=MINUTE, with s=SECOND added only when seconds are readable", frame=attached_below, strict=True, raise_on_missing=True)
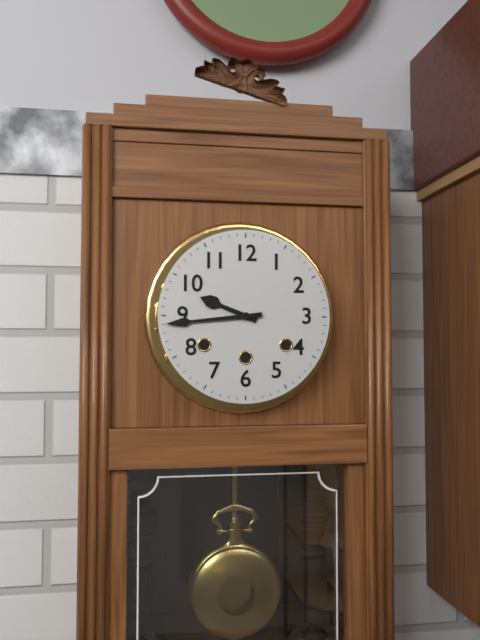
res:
h=9 m=44
